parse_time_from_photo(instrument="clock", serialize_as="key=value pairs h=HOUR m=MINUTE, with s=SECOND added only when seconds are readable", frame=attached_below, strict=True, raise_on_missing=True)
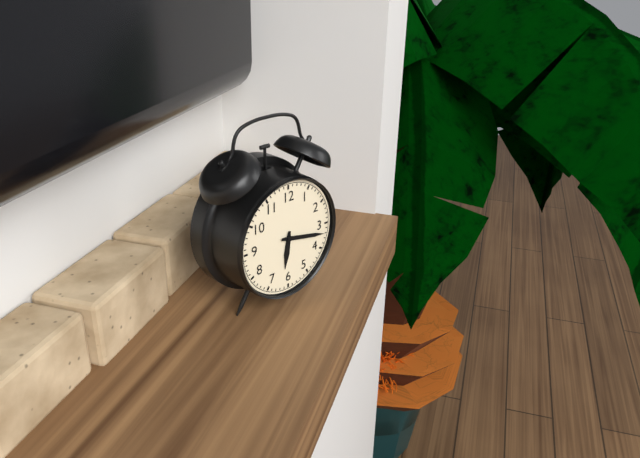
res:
h=6 m=17
